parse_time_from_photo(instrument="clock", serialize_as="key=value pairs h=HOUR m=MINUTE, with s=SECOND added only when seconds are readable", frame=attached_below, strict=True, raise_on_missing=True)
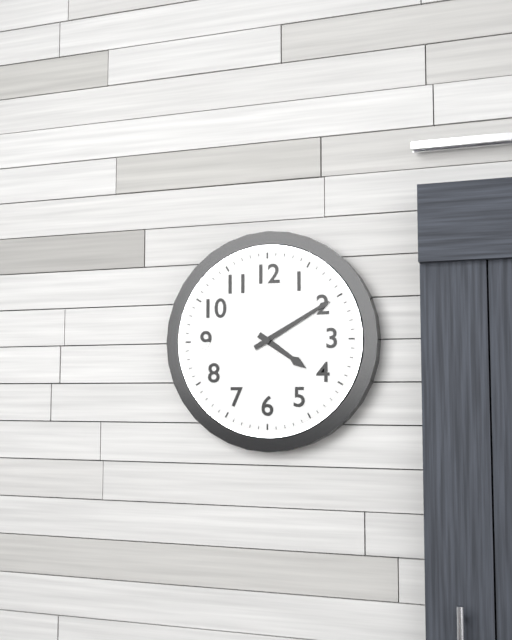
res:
h=4 m=10
